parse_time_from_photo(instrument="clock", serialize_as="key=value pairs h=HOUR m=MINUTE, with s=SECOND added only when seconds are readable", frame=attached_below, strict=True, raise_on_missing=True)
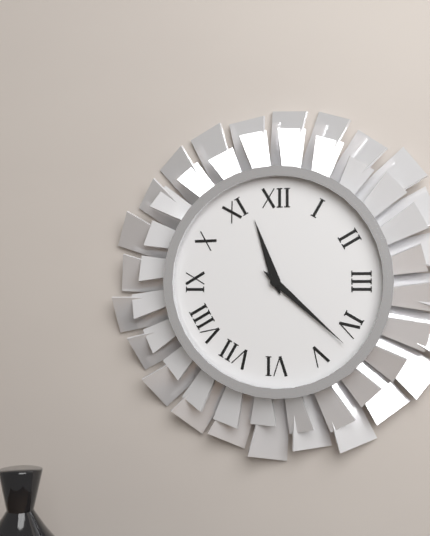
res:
h=11 m=22
